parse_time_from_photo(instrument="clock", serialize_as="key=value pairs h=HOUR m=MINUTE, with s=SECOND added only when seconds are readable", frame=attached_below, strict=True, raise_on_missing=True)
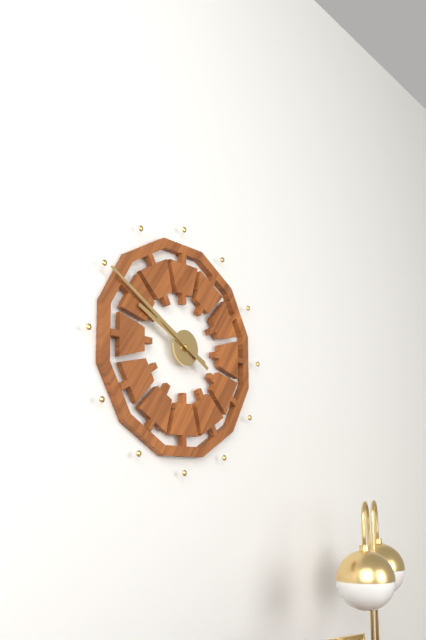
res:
h=9 m=50
